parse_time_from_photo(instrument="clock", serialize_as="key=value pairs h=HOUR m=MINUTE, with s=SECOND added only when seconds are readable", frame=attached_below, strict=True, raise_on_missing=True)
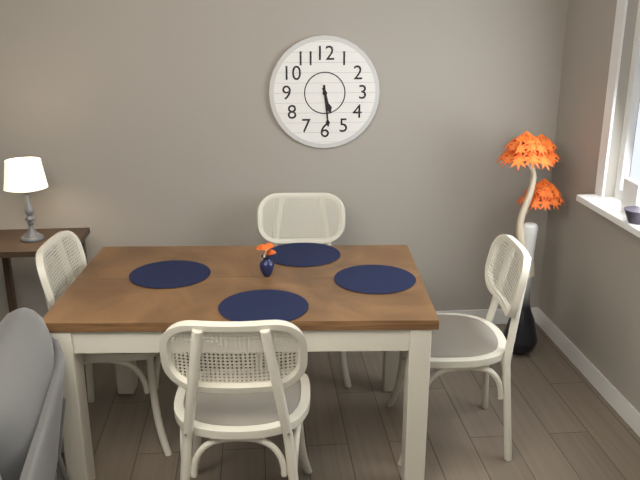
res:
h=5 m=29
